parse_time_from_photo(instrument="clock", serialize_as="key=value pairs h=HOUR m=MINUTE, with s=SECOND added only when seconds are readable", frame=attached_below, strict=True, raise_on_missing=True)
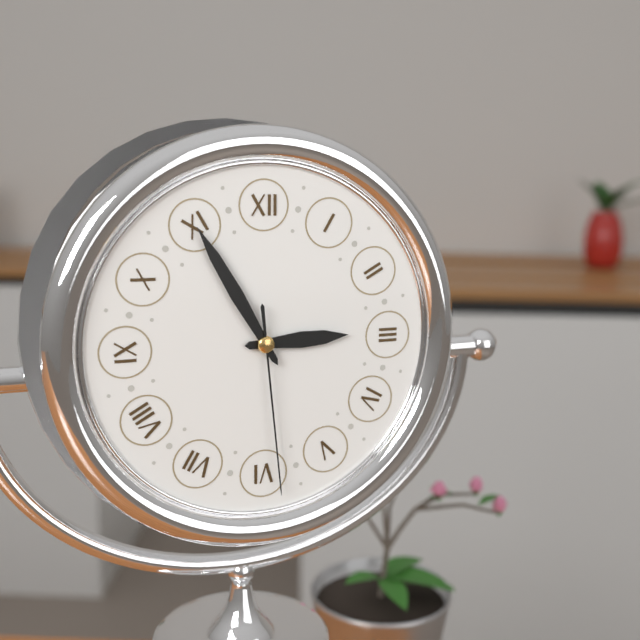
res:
h=2 m=55 s=29
